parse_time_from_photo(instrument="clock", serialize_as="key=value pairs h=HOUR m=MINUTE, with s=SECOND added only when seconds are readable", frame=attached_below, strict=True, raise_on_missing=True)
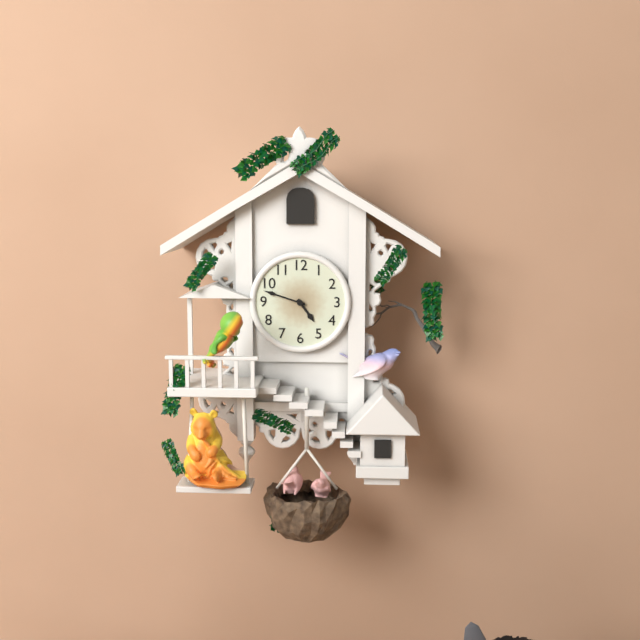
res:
h=4 m=48
